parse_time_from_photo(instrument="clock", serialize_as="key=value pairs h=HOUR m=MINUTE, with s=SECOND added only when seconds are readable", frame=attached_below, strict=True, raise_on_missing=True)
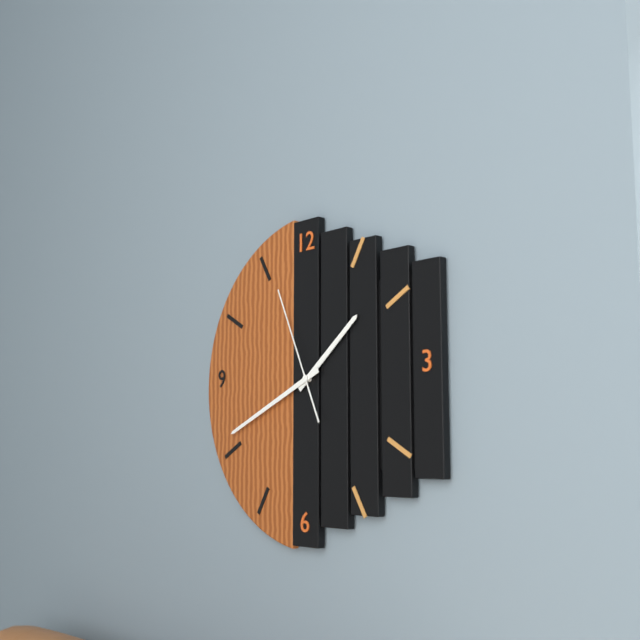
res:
h=1 m=41 s=56
